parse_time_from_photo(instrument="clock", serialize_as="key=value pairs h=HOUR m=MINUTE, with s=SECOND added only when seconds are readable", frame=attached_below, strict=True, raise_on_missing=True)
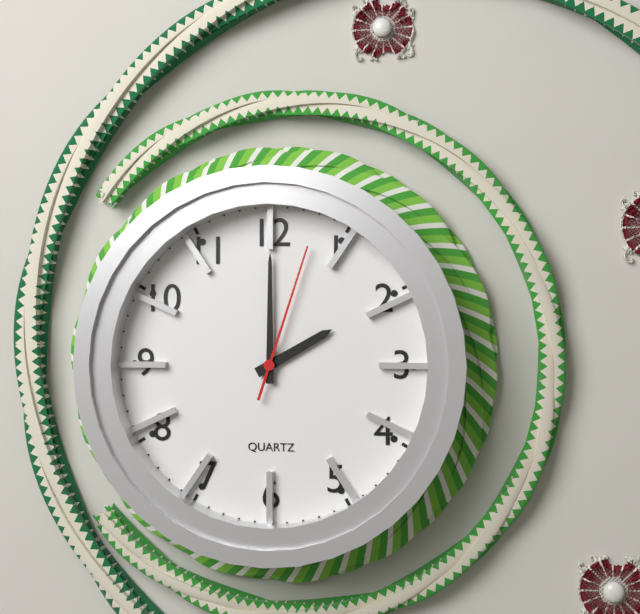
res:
h=2 m=0 s=3
